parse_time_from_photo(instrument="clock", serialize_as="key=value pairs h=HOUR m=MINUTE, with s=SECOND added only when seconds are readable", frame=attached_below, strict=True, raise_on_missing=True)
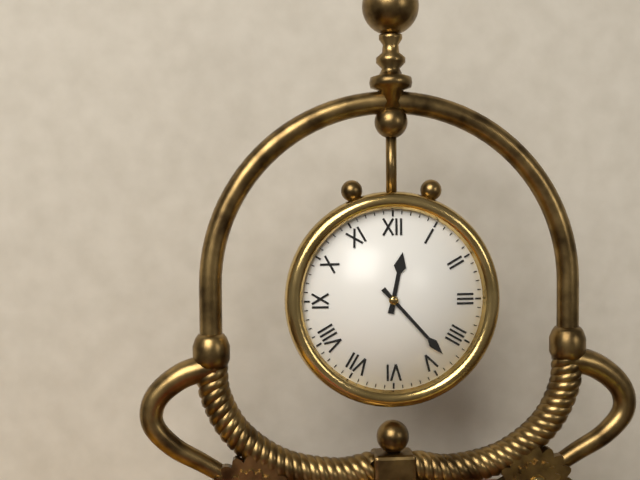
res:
h=12 m=23
